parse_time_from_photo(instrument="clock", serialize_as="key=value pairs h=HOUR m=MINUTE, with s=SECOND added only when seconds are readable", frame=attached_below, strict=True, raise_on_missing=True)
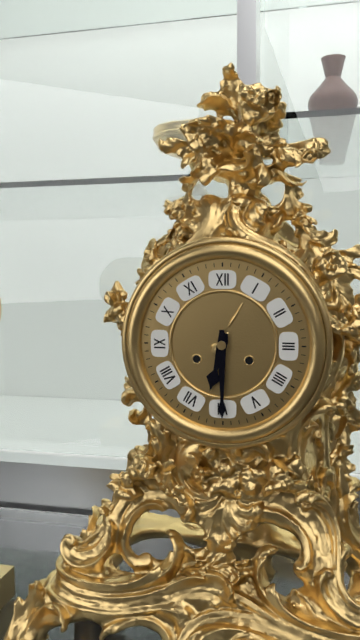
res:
h=6 m=30
